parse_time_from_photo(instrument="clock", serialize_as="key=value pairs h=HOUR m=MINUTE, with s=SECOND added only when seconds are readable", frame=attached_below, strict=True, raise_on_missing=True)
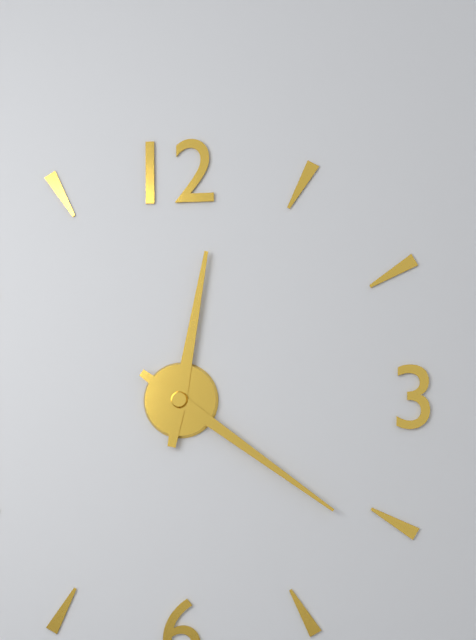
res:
h=12 m=21
